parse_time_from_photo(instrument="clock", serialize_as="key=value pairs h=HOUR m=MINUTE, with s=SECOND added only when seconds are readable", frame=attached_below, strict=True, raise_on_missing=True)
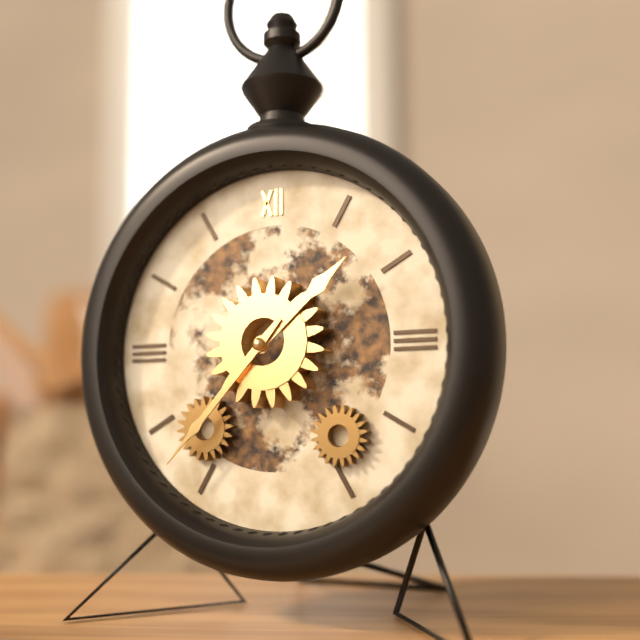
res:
h=1 m=37
